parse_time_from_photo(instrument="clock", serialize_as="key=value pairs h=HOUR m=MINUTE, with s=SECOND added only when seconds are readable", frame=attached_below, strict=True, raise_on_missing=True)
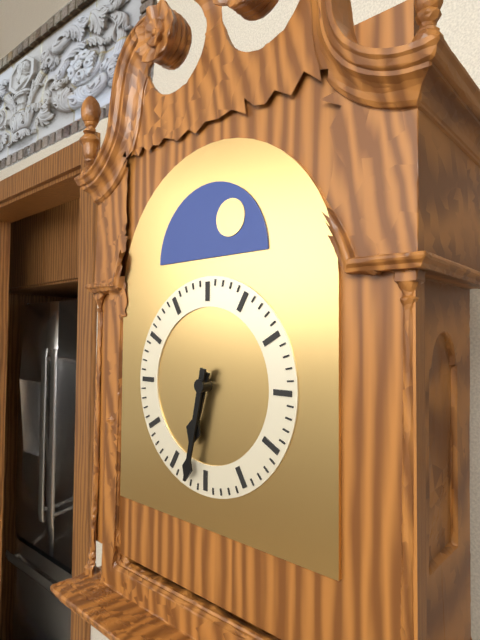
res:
h=6 m=32
